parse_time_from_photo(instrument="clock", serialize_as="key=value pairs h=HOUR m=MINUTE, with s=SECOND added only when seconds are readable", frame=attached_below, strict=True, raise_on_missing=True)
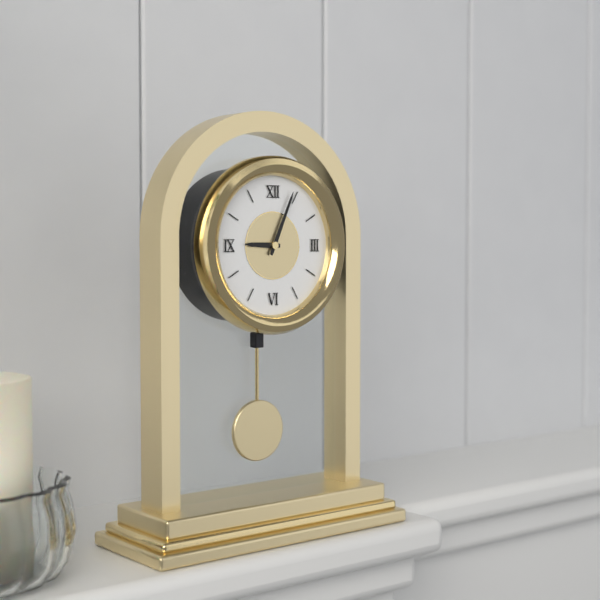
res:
h=9 m=4
